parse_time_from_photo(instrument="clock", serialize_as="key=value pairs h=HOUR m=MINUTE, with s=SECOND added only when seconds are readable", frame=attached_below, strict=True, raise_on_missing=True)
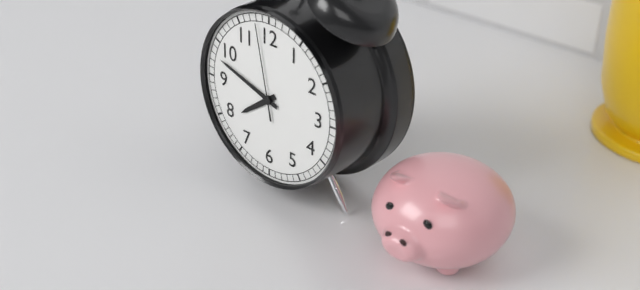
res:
h=7 m=48 s=58
